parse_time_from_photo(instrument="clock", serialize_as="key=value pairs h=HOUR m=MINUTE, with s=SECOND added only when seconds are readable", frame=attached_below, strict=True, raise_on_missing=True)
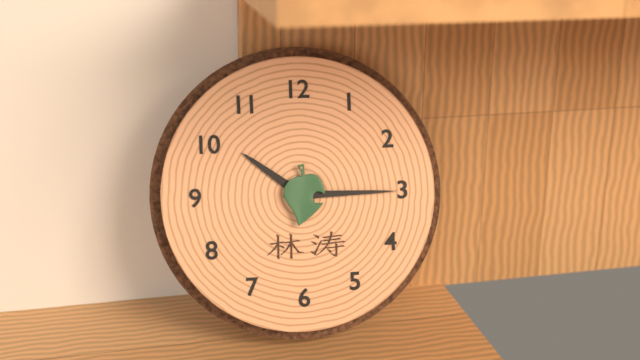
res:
h=10 m=15
